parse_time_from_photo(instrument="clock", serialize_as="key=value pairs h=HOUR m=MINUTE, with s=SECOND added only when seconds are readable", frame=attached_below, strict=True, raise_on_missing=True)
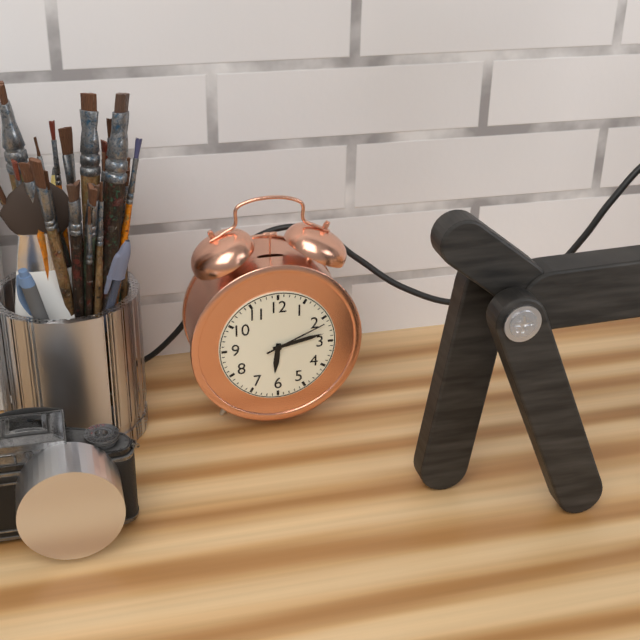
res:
h=6 m=13 s=11
